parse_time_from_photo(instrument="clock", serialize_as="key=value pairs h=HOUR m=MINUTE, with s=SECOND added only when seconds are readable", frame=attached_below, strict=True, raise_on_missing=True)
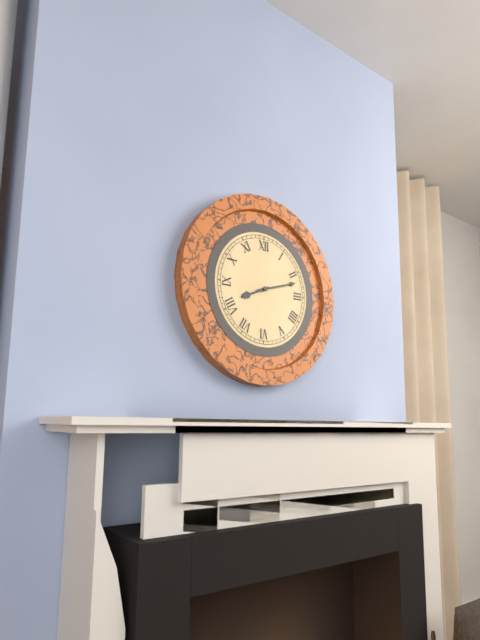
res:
h=8 m=12
